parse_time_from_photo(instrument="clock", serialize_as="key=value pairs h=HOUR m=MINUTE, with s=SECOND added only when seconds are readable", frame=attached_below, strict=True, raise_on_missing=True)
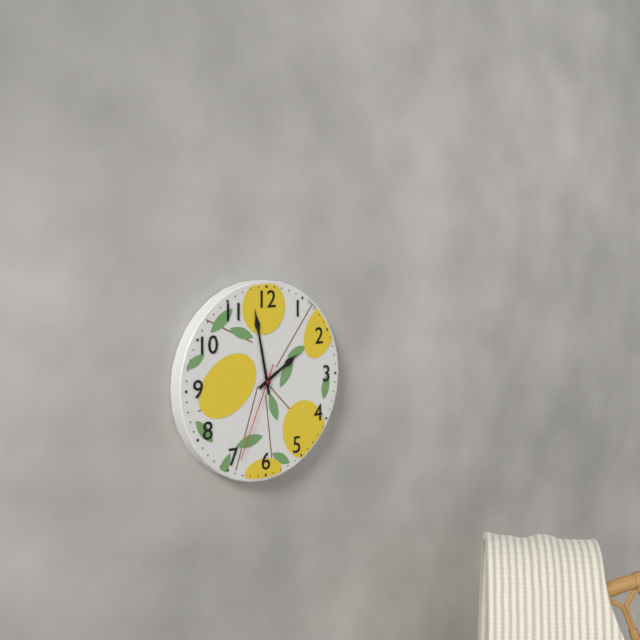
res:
h=1 m=58 s=34
